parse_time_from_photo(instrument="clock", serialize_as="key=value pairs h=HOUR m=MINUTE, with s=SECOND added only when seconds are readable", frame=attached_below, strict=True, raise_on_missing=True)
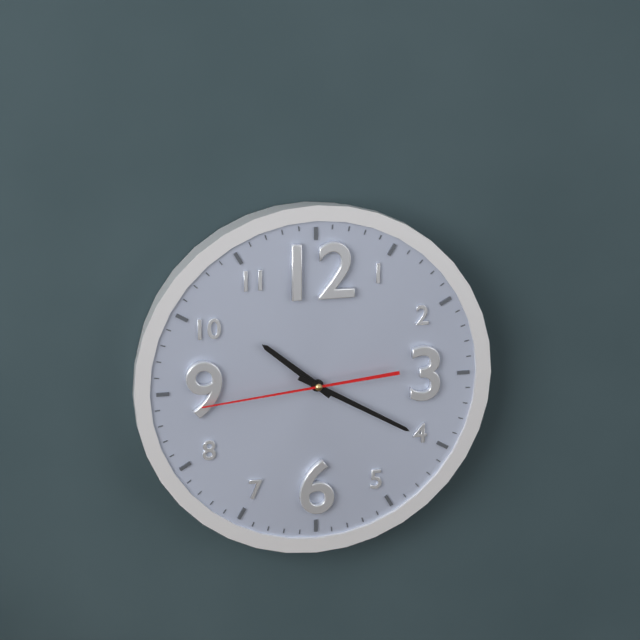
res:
h=10 m=20 s=44
